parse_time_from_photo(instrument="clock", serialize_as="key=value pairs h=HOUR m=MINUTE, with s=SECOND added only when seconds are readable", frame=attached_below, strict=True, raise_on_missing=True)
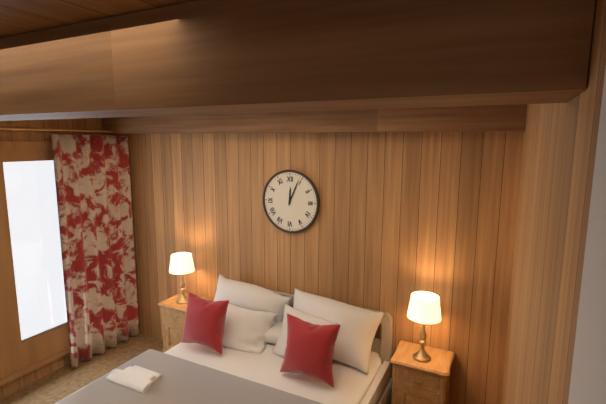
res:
h=12 m=4
